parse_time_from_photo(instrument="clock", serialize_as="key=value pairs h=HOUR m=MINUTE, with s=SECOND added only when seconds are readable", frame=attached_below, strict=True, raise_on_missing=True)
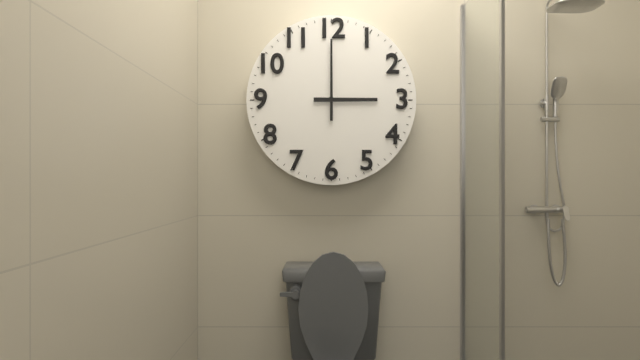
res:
h=3 m=0
